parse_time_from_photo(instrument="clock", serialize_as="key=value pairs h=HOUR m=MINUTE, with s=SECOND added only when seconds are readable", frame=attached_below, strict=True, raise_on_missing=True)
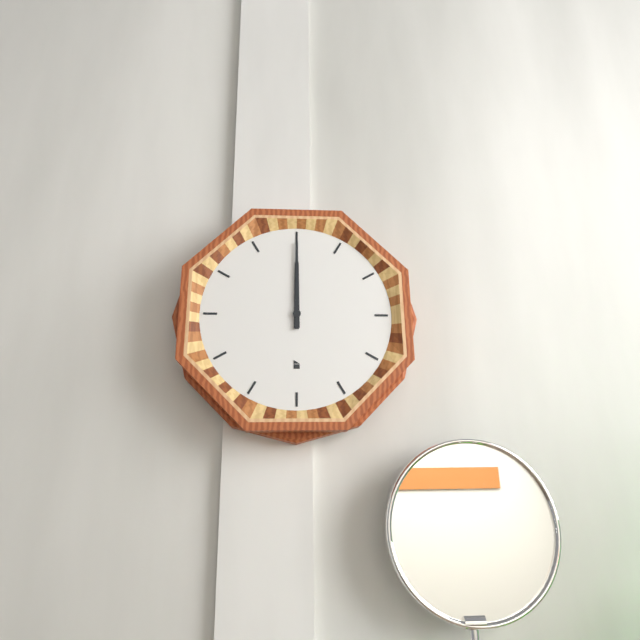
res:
h=12 m=0
